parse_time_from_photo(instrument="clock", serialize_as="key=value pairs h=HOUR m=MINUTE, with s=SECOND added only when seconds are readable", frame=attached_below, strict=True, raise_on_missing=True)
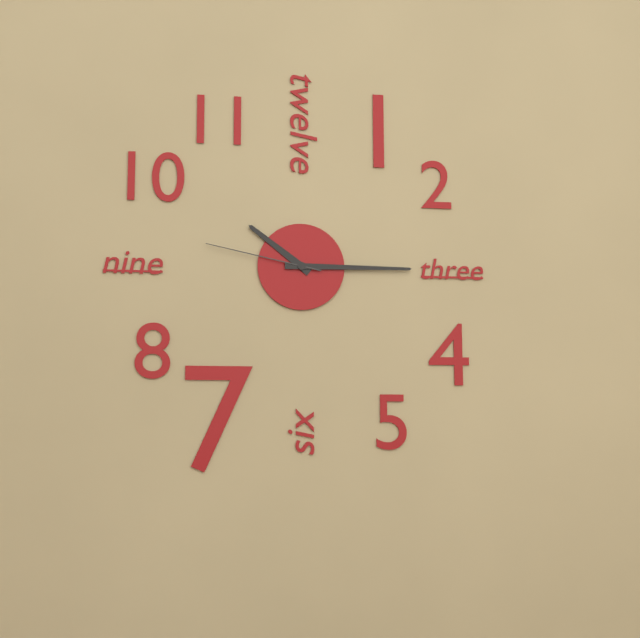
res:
h=10 m=15 s=47
